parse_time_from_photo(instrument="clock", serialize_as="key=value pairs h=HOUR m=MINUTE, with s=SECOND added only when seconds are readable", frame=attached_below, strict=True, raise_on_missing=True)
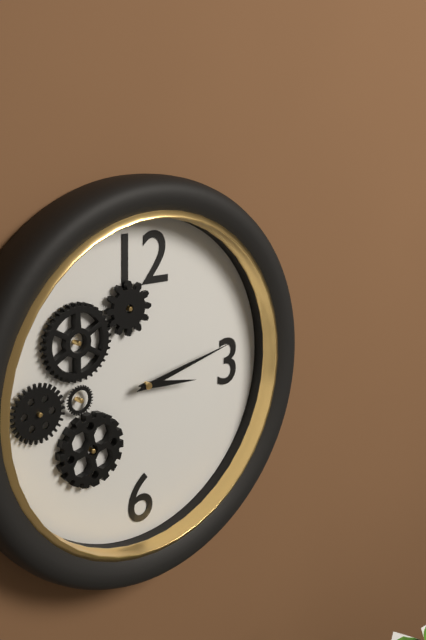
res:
h=3 m=13
